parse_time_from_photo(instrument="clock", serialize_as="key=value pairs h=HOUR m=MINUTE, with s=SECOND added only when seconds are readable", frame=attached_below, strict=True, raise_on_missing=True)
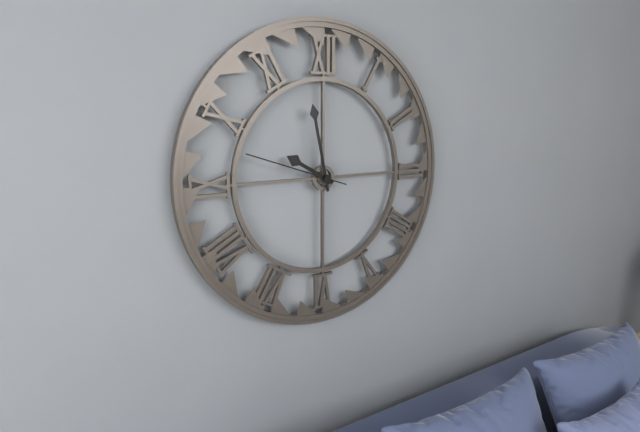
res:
h=9 m=58 s=48
